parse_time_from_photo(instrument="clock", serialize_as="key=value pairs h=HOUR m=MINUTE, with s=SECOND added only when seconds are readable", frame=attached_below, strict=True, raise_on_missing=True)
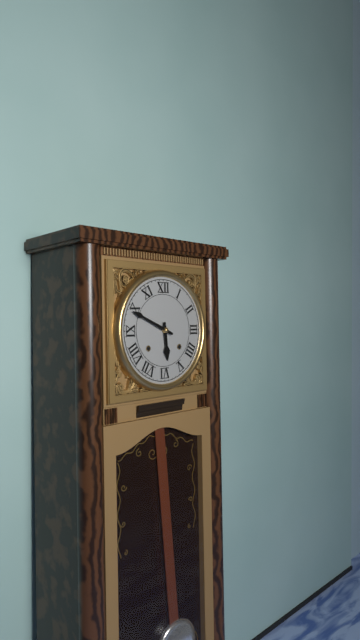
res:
h=5 m=49
